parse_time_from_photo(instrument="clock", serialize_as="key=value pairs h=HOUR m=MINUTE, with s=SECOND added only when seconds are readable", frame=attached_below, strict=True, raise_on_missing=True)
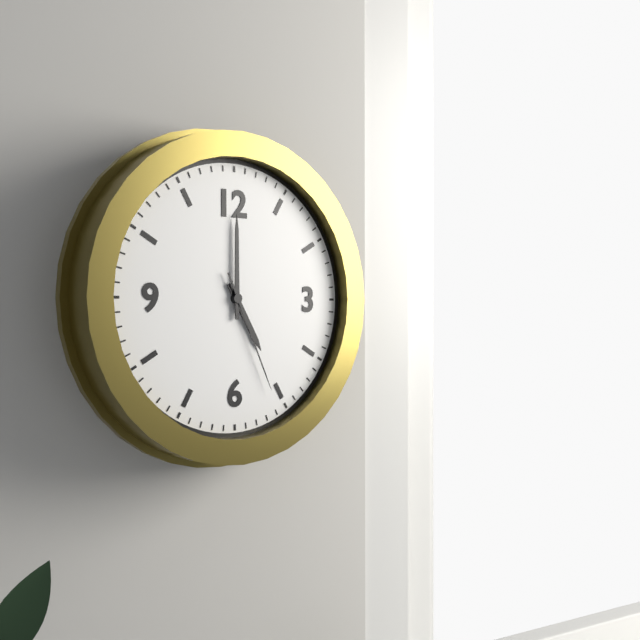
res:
h=5 m=0 s=26
